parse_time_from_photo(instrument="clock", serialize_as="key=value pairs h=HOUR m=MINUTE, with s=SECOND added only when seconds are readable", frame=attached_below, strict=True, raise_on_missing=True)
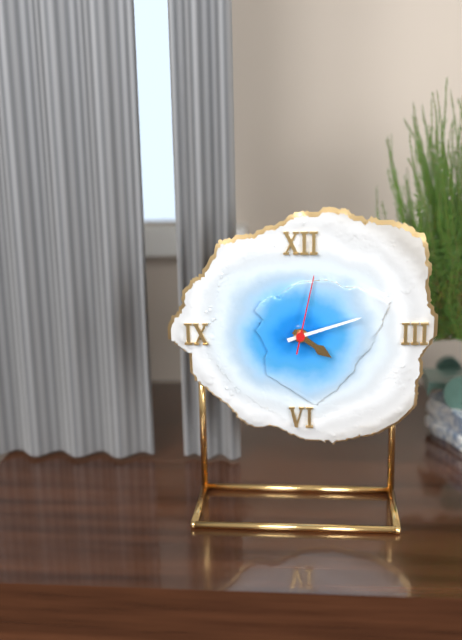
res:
h=4 m=12 s=2
